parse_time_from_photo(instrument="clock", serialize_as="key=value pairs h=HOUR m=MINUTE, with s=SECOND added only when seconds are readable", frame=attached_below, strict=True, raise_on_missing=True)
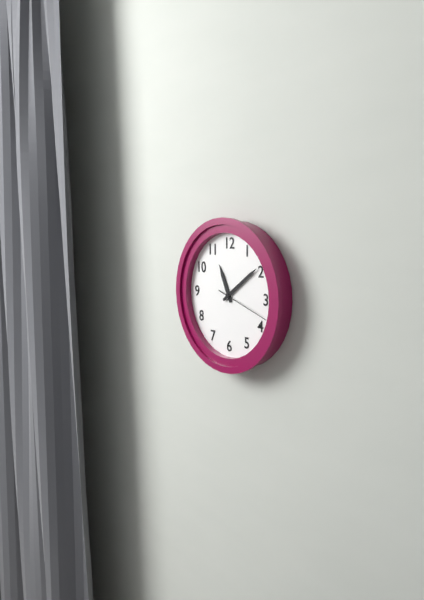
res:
h=11 m=9 s=18
